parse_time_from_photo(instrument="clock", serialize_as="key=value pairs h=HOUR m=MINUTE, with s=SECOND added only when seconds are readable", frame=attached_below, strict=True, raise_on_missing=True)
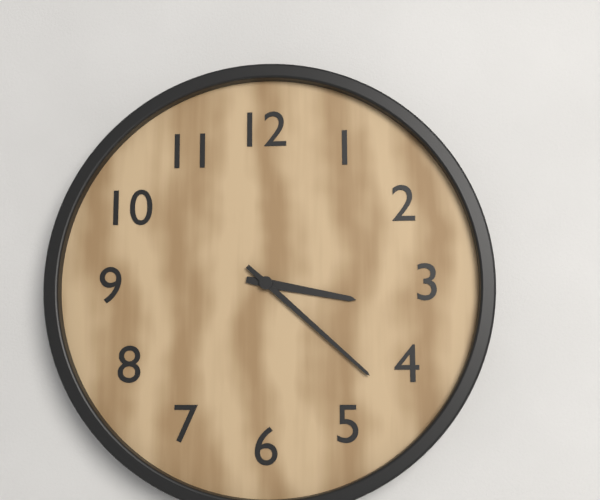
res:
h=3 m=22
